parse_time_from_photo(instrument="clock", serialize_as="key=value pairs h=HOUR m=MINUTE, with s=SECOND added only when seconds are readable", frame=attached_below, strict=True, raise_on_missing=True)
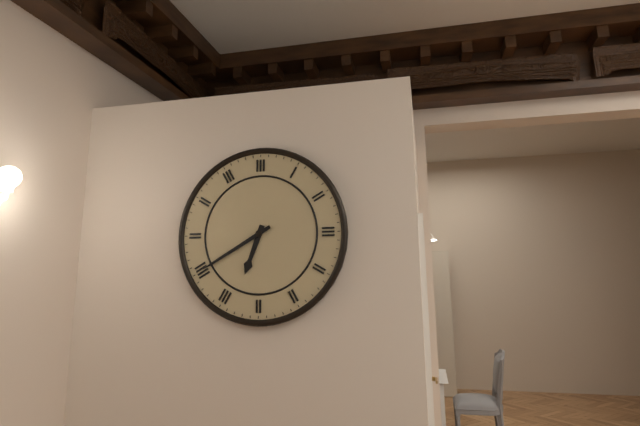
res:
h=6 m=40
